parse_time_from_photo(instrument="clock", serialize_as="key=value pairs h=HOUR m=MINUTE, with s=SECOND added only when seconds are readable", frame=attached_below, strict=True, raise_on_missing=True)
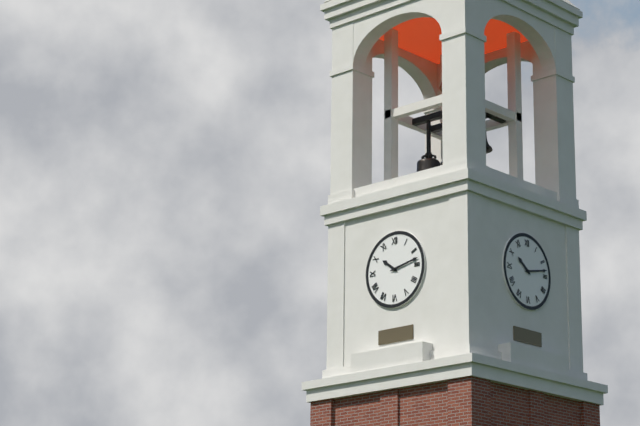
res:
h=10 m=13
